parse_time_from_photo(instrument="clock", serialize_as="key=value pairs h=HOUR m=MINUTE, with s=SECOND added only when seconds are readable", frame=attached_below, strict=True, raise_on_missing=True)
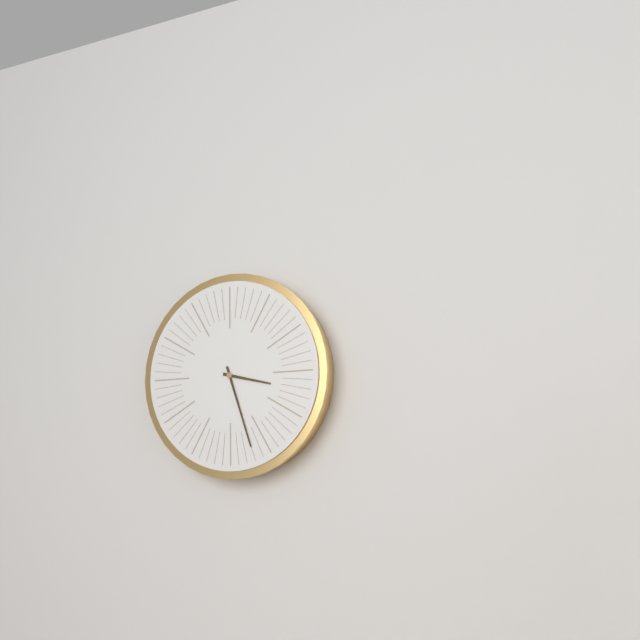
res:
h=3 m=27
